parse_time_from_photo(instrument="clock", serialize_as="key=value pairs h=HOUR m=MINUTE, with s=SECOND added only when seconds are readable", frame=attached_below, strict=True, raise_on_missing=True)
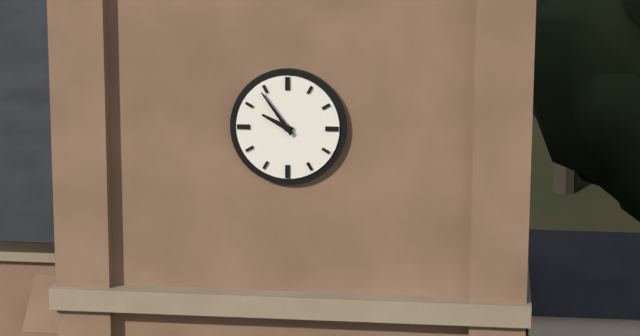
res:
h=9 m=54
